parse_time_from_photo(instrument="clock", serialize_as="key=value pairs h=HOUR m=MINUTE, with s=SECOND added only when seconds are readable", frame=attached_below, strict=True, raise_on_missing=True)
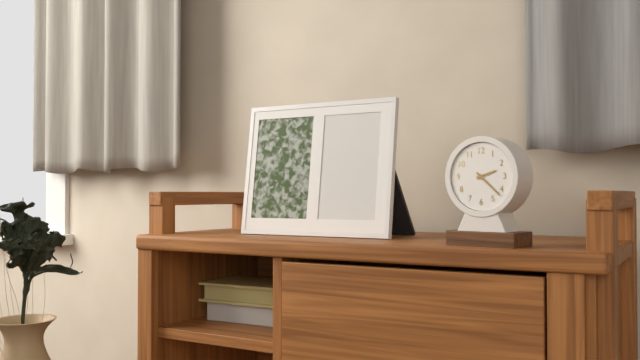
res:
h=2 m=22
